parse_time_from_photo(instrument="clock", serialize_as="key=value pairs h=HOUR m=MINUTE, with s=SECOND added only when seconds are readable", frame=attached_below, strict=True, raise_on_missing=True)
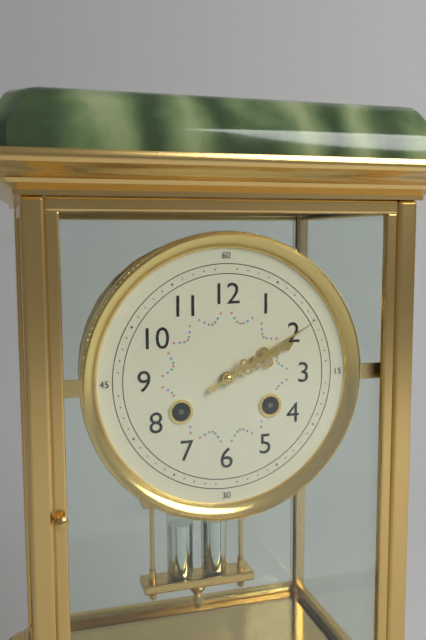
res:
h=2 m=10
